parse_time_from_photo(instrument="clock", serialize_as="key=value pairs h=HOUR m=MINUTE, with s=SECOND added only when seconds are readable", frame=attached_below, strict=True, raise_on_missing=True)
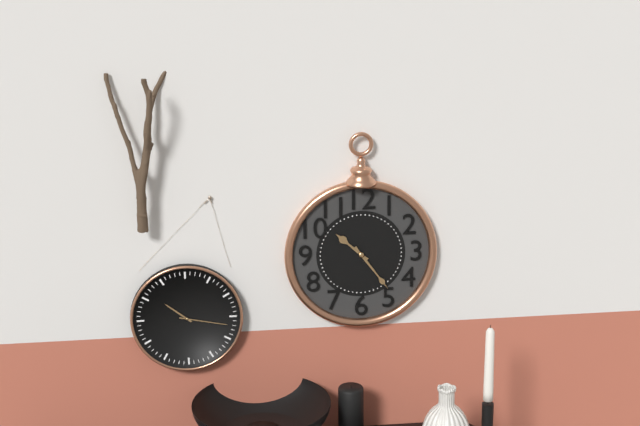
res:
h=10 m=24
